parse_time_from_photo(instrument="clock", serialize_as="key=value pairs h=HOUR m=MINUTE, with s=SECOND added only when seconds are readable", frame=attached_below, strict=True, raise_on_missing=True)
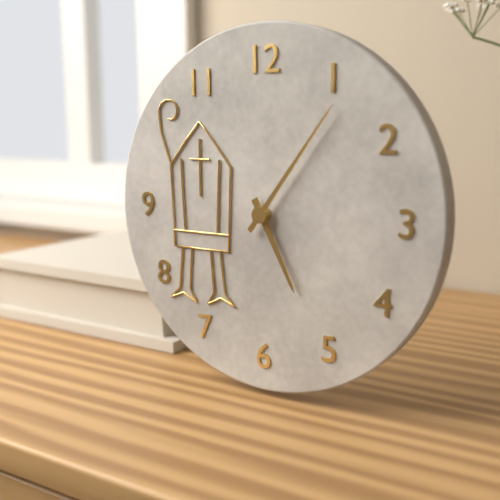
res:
h=5 m=6
